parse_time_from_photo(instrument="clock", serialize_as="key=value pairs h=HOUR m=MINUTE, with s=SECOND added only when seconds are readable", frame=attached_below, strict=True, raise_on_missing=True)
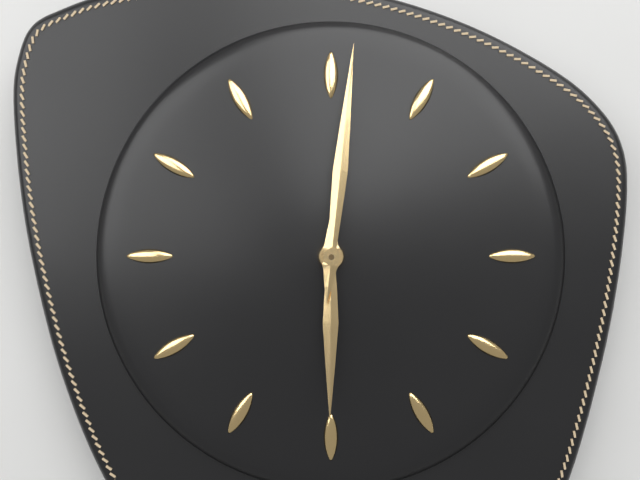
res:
h=6 m=1
